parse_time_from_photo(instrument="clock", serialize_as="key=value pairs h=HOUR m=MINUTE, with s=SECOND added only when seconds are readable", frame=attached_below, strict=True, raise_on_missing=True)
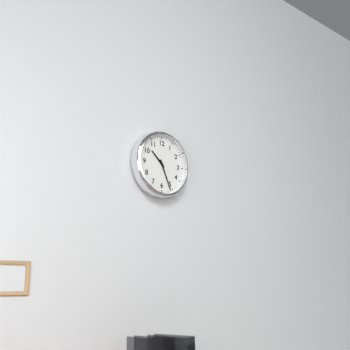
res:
h=10 m=26
